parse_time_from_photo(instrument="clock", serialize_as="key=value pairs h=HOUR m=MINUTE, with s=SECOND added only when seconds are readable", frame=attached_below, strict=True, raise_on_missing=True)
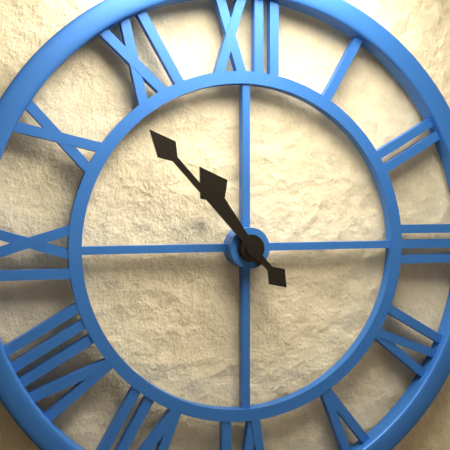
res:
h=10 m=53
